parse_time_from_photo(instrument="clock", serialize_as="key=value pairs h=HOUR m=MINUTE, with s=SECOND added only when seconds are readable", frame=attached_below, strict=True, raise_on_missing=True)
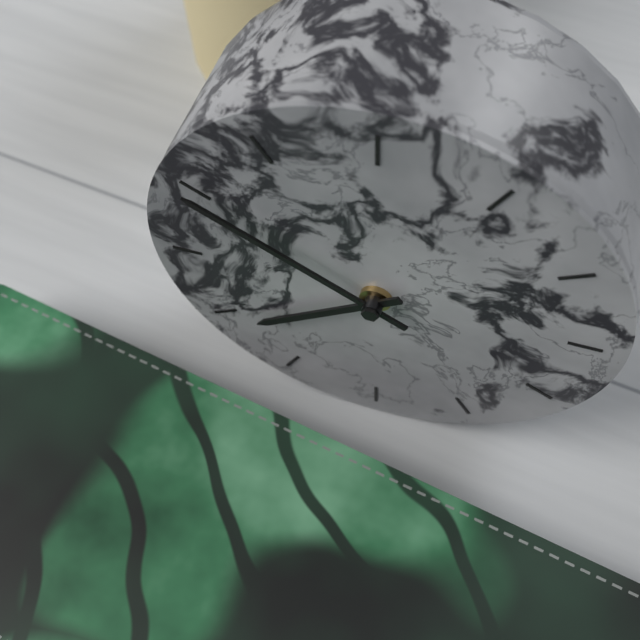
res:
h=7 m=50
